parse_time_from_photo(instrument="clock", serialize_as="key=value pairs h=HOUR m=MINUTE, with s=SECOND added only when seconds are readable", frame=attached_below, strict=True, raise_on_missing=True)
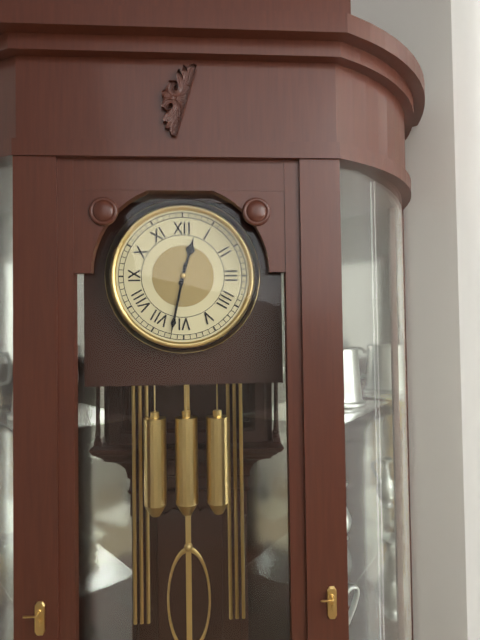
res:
h=12 m=32
